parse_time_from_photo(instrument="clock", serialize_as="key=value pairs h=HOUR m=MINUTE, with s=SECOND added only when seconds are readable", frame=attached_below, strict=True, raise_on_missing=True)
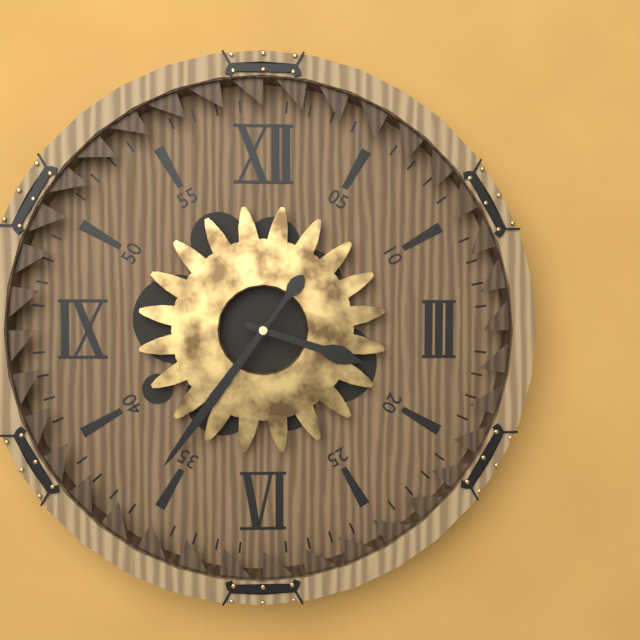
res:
h=3 m=36
